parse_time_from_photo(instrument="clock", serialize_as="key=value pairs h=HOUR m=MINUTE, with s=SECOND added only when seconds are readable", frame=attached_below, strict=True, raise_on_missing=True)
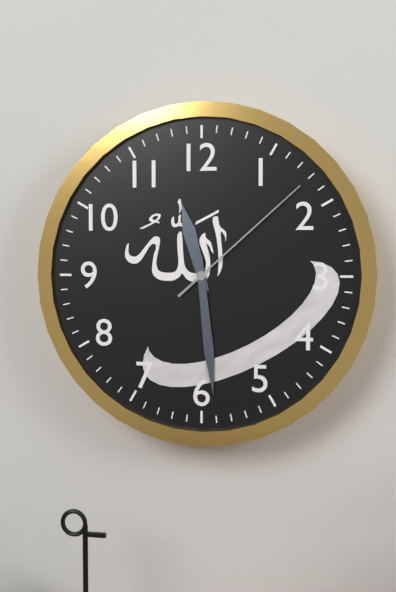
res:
h=11 m=29 s=8
